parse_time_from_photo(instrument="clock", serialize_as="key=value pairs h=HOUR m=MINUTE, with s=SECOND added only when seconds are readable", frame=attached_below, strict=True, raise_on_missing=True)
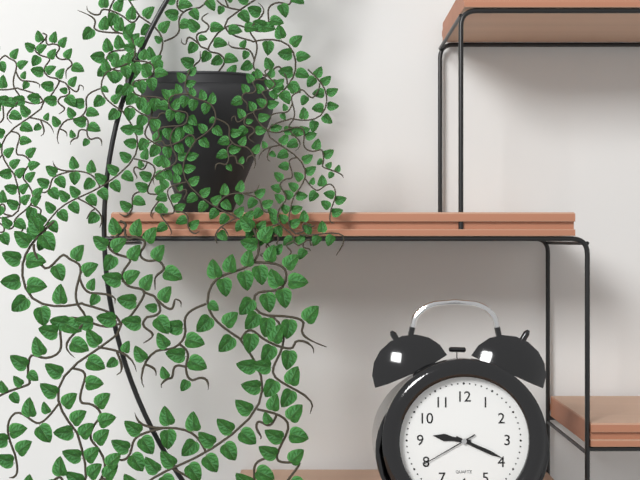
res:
h=9 m=19 s=40
